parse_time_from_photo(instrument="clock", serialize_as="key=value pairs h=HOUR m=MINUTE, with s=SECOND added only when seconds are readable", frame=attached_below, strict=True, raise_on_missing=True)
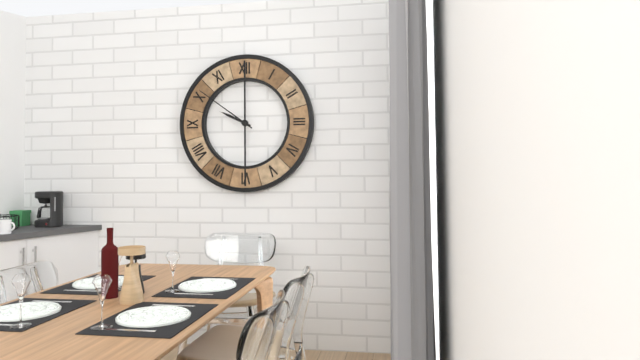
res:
h=9 m=51
